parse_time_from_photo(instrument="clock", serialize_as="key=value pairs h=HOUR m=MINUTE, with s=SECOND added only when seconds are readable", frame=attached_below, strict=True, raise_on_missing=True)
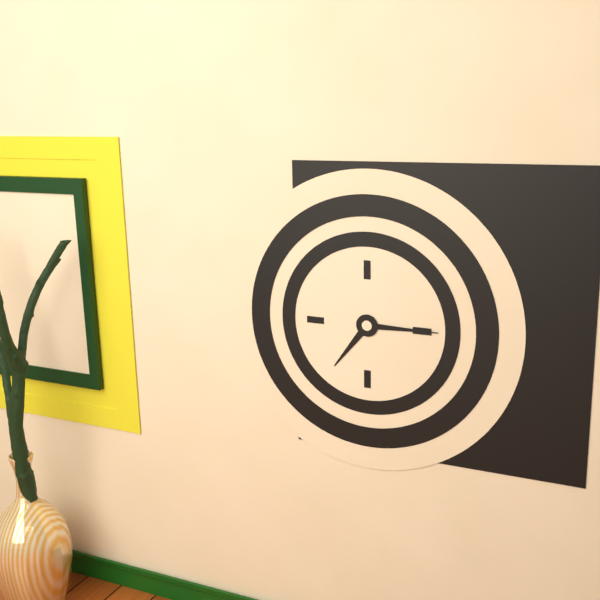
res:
h=7 m=15
